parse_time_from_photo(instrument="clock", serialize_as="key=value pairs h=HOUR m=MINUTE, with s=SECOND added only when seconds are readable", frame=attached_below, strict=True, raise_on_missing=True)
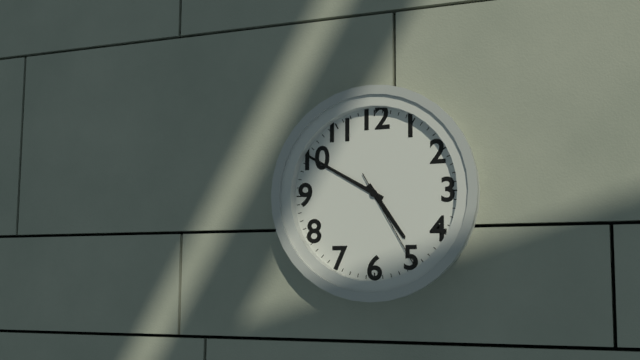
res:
h=4 m=50 s=25
